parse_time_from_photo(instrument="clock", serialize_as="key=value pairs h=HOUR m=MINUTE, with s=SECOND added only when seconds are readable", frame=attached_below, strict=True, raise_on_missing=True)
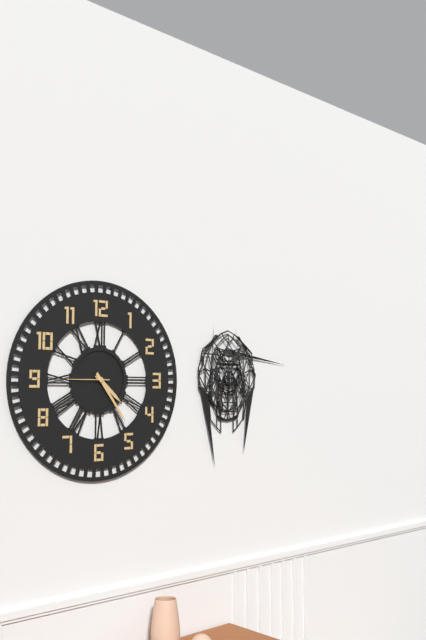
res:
h=4 m=24
